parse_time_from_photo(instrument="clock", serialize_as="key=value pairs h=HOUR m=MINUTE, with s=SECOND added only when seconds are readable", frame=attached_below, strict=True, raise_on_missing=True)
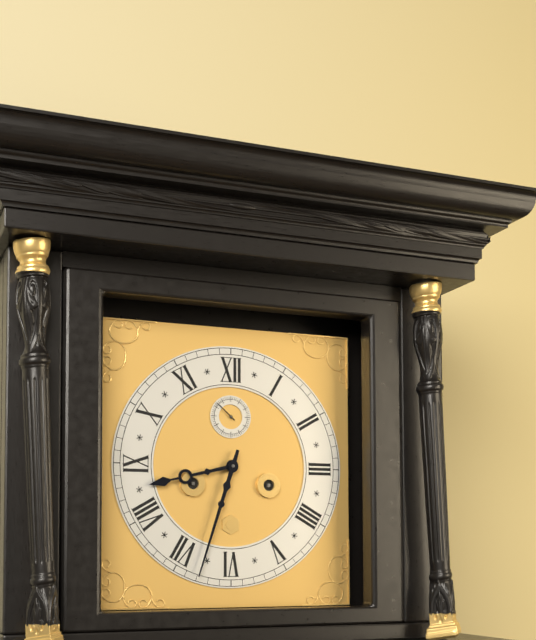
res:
h=8 m=33
